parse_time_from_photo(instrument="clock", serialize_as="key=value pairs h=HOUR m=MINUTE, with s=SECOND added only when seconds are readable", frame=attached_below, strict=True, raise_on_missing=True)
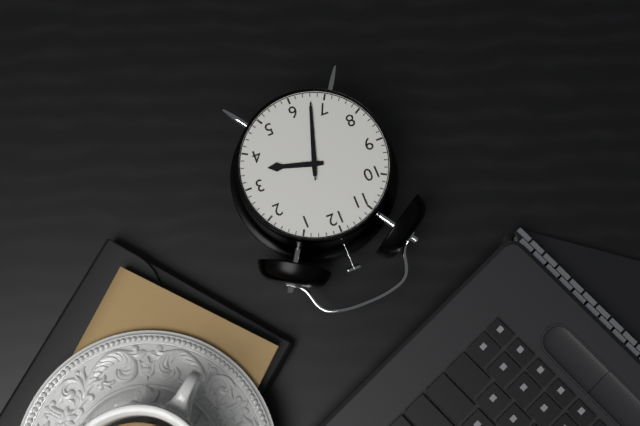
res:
h=3 m=33 s=33
